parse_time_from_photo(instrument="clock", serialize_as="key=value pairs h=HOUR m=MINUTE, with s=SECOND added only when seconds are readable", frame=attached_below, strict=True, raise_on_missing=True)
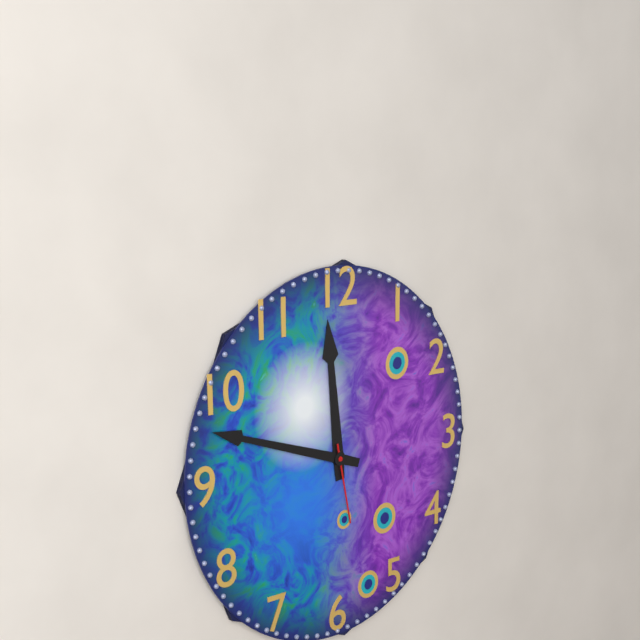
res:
h=11 m=48 s=28
